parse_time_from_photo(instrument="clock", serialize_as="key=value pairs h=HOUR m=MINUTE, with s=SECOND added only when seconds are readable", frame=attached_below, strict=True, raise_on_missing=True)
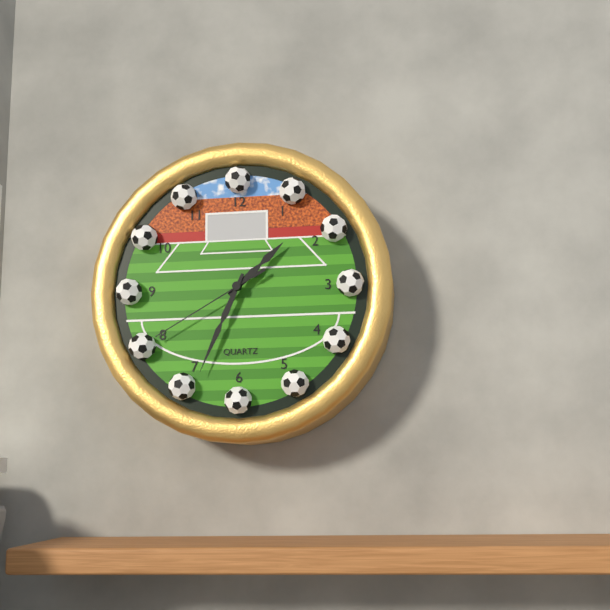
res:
h=1 m=34 s=40
